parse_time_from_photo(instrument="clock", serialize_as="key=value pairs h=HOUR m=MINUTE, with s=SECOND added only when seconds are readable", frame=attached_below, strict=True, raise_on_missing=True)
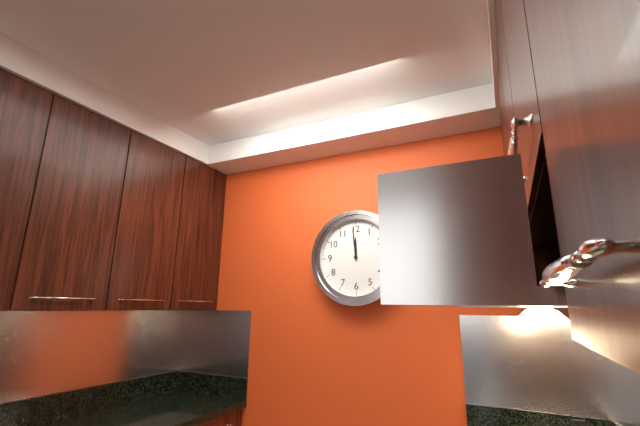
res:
h=11 m=59
